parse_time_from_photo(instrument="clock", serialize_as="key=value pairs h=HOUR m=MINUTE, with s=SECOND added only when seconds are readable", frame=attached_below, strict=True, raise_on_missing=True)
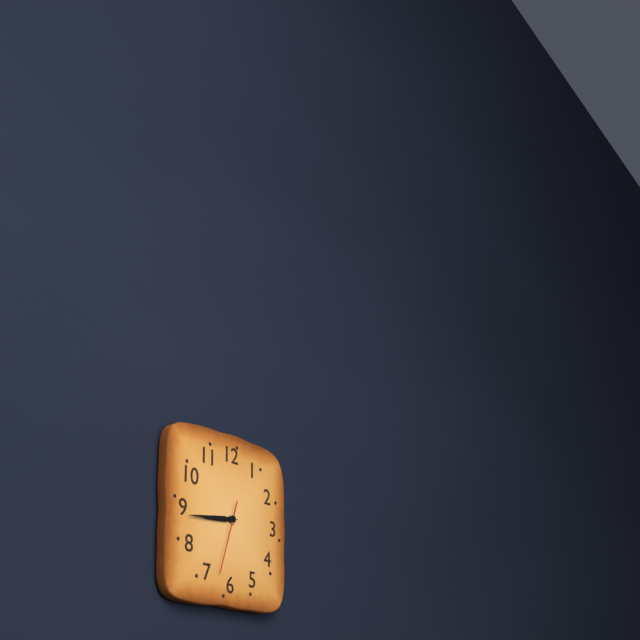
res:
h=8 m=44 s=33
